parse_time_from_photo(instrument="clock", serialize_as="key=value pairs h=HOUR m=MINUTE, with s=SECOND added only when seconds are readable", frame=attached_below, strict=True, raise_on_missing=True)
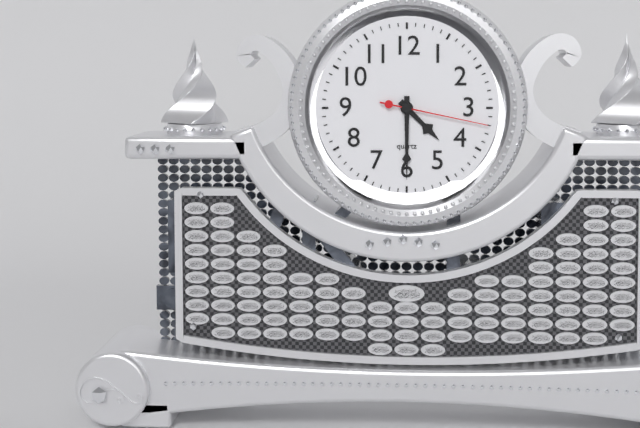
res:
h=4 m=30 s=17
